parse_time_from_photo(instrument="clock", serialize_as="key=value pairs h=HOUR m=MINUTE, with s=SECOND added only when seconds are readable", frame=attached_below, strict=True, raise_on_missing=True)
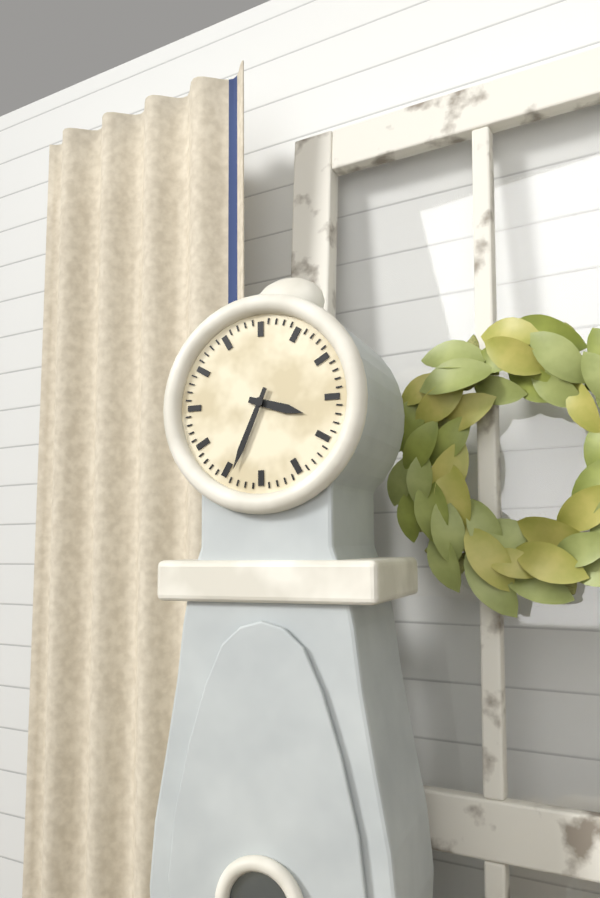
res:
h=3 m=34
